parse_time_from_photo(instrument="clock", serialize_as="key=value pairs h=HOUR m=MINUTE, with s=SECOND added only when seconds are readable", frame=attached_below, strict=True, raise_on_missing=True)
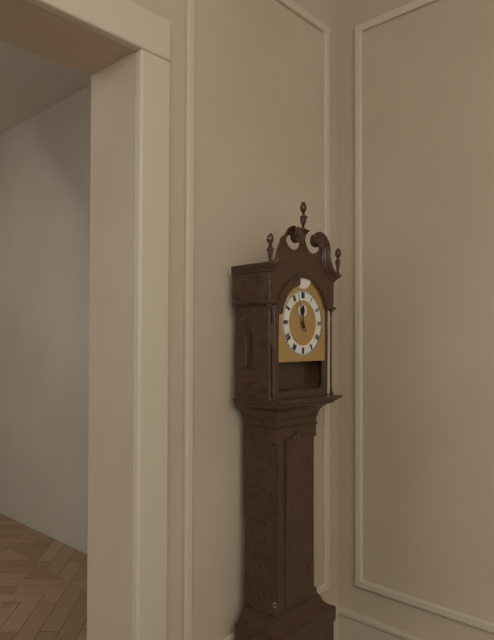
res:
h=11 m=57
